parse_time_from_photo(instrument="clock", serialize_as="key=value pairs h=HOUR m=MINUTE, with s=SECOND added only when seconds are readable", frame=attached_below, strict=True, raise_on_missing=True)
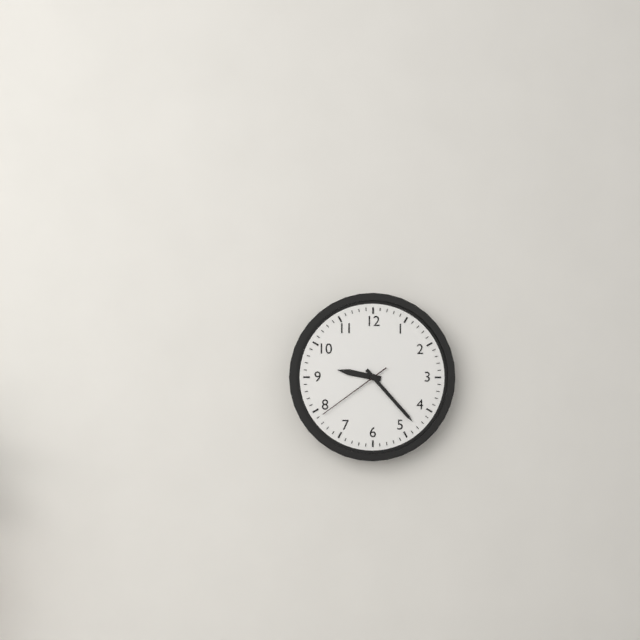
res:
h=9 m=23 s=39
